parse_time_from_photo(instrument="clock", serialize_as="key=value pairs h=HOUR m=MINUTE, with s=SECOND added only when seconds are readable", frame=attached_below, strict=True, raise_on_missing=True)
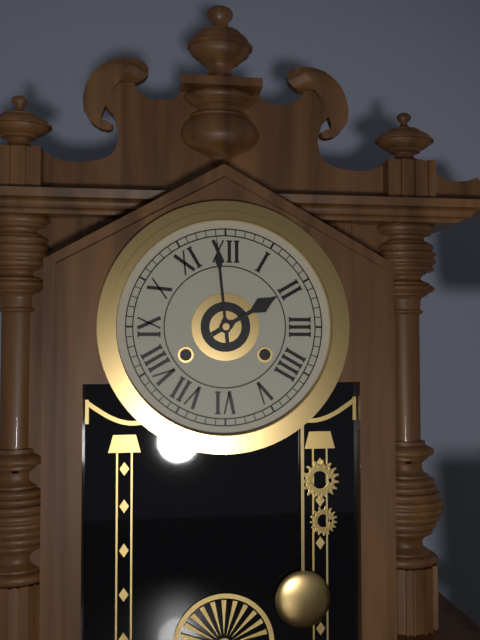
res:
h=1 m=59
